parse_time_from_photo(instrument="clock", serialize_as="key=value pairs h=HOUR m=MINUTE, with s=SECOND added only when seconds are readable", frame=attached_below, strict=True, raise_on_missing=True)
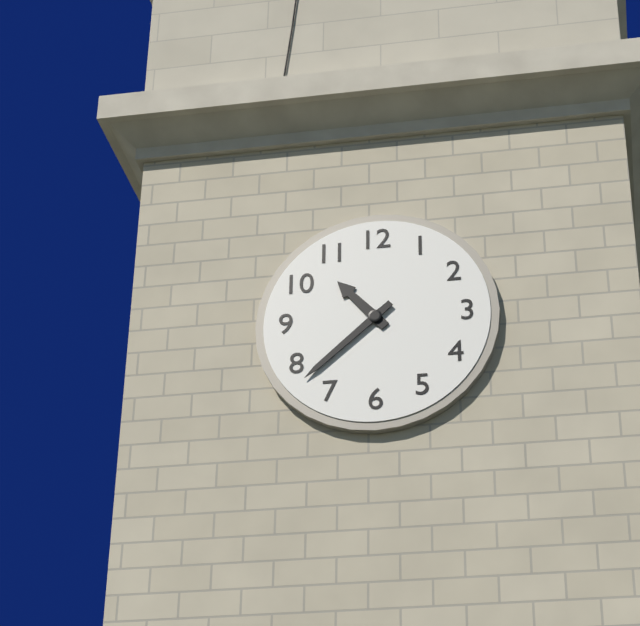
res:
h=10 m=38
